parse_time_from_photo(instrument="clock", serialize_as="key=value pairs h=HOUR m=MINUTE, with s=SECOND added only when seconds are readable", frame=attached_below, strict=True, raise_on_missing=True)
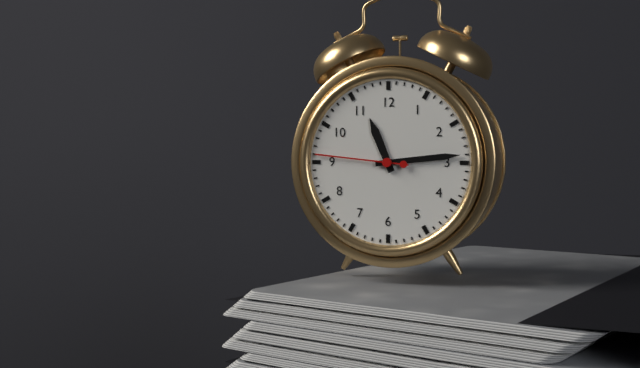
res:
h=11 m=14 s=46
